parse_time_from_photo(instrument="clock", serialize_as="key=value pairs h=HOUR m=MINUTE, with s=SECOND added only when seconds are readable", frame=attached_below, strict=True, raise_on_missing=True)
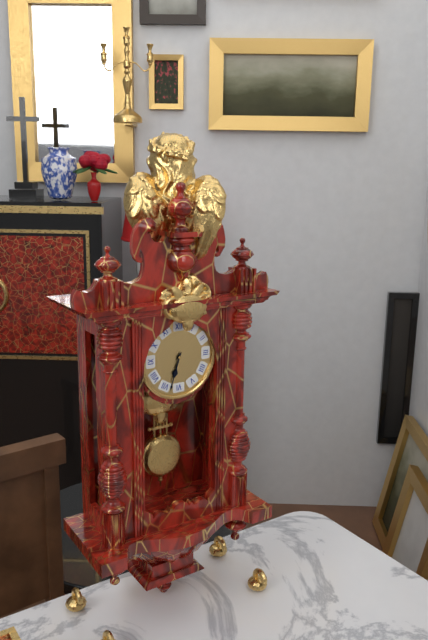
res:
h=6 m=33
